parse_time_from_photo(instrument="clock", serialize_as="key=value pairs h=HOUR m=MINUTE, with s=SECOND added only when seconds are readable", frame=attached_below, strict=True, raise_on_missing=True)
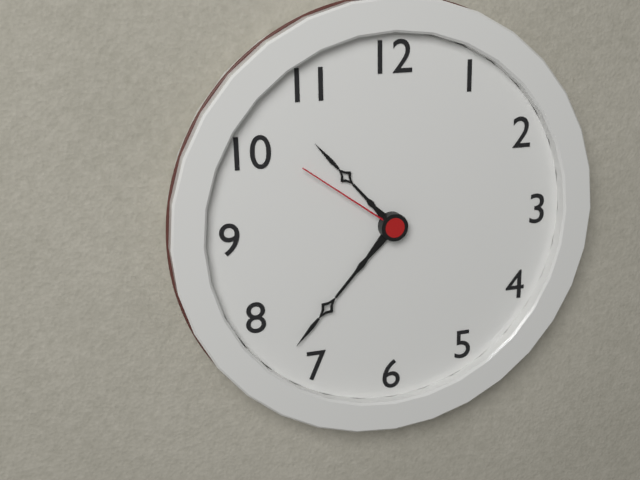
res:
h=10 m=37 s=51
